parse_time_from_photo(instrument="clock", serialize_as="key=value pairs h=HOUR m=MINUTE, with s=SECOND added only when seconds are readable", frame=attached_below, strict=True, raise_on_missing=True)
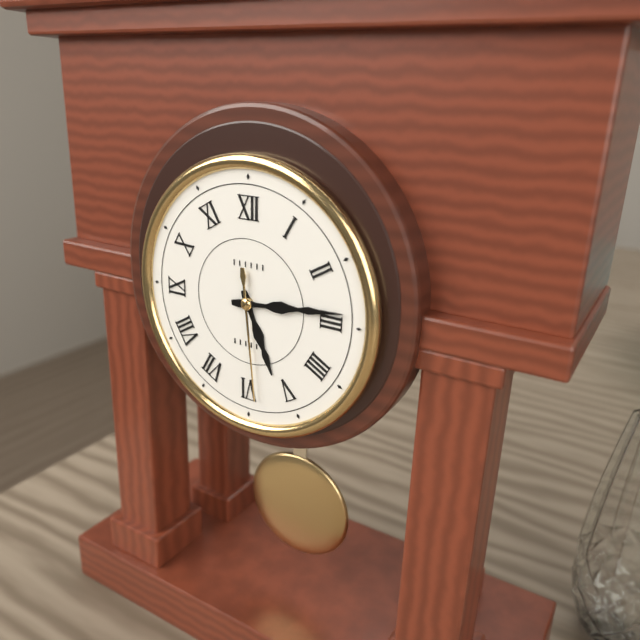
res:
h=5 m=14 s=29
